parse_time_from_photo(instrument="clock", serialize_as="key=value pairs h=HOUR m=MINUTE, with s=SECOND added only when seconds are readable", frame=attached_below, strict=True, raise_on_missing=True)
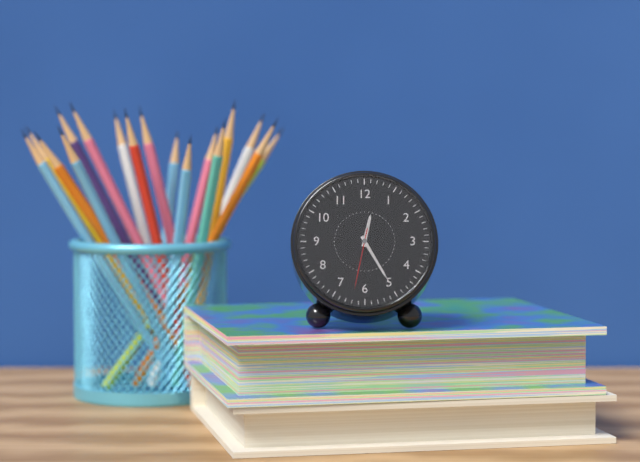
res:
h=12 m=25 s=32
